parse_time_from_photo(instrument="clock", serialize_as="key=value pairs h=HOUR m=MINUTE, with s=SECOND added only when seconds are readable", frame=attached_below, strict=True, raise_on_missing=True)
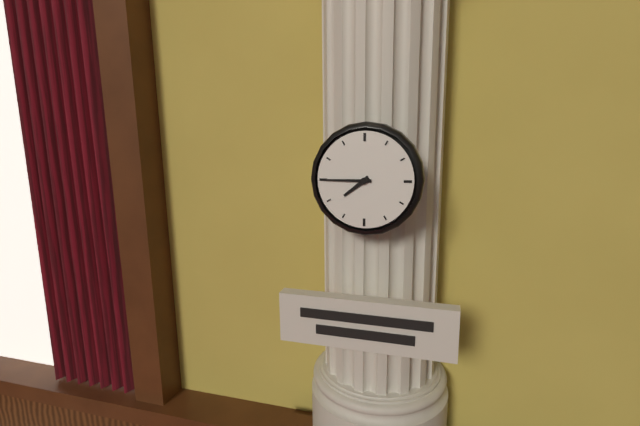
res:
h=7 m=45
